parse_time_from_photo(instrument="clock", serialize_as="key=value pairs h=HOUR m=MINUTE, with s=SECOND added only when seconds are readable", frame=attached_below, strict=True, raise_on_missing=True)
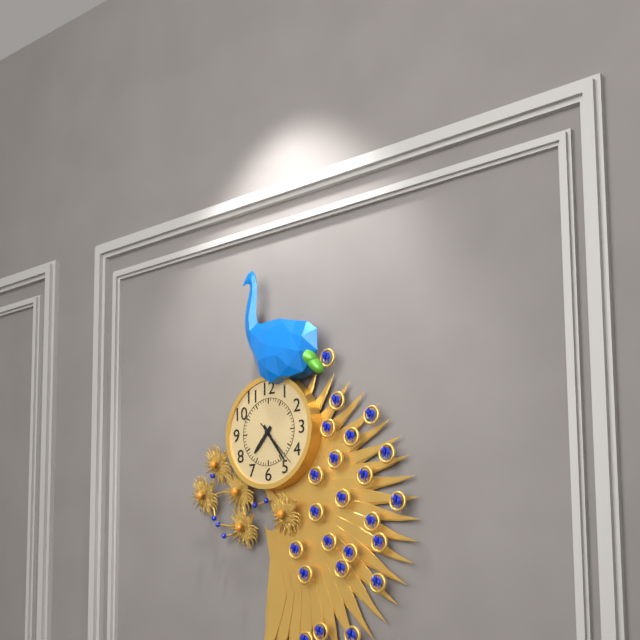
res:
h=7 m=24
